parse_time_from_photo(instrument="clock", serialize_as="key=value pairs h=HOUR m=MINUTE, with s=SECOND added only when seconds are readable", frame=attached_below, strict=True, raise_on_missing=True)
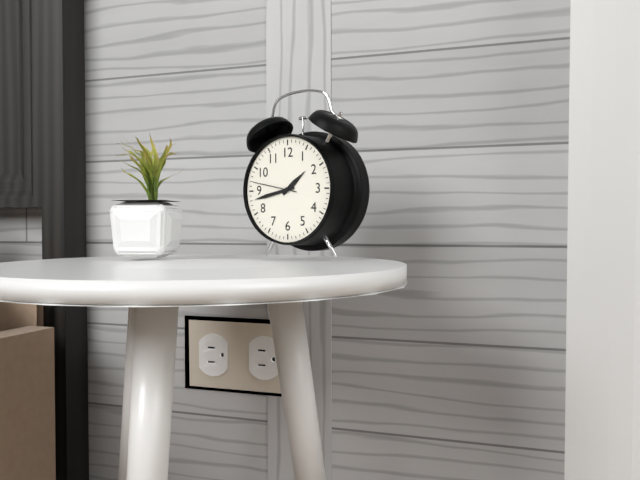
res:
h=1 m=43 s=47
